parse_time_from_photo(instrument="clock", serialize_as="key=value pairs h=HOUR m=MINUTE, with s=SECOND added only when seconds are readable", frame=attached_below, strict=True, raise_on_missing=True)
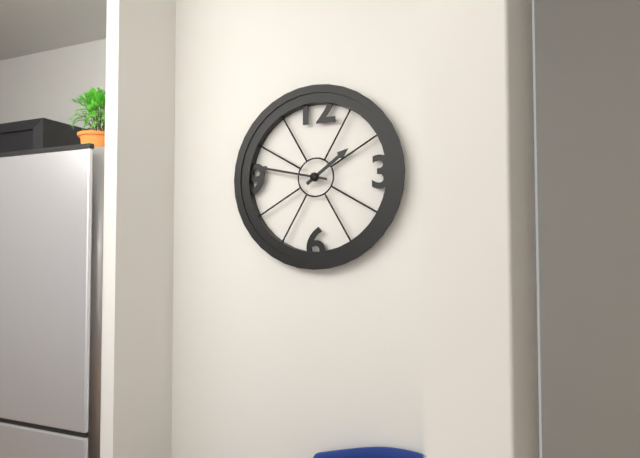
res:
h=1 m=47
